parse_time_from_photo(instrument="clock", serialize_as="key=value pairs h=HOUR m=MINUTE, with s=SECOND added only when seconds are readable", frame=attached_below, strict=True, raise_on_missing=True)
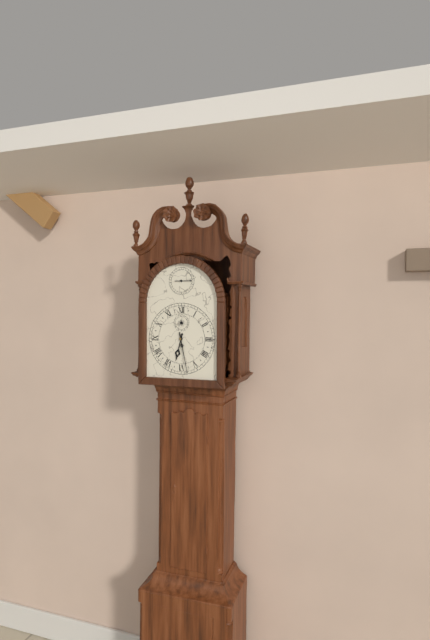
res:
h=6 m=28
